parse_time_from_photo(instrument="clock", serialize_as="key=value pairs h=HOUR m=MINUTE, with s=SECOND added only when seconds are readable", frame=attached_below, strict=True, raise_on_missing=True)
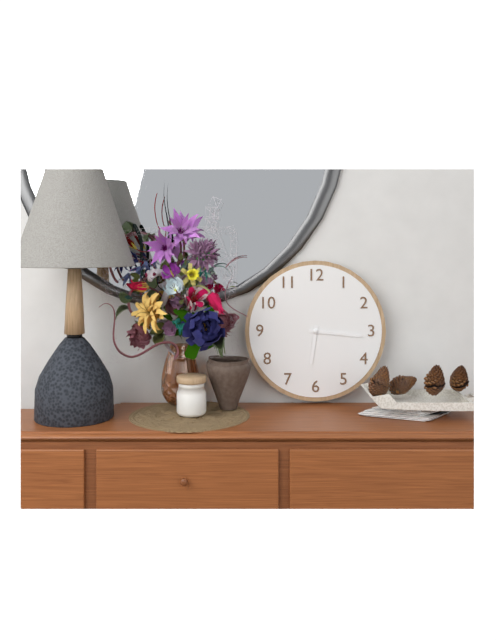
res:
h=6 m=16
